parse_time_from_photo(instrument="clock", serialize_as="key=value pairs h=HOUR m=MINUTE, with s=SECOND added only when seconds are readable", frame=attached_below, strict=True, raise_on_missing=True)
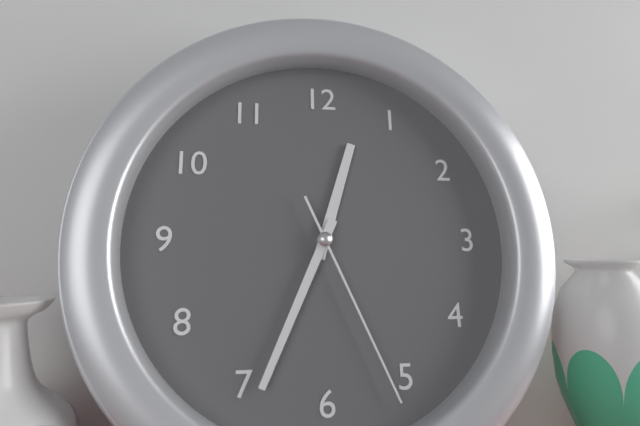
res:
h=12 m=34 s=26
